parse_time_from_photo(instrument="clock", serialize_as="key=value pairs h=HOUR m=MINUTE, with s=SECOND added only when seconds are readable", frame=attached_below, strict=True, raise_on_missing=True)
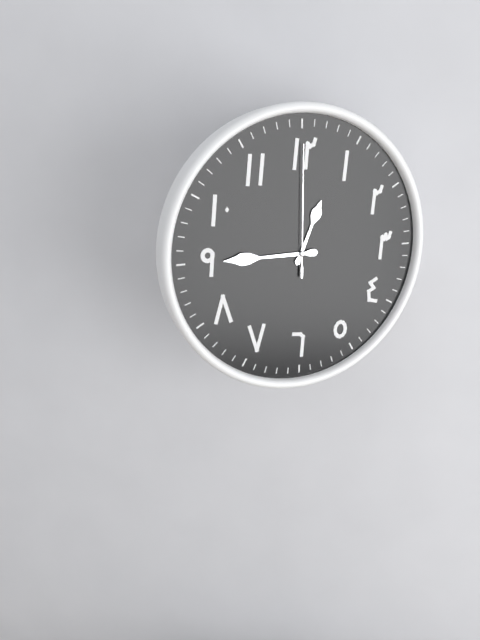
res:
h=12 m=45 s=0
